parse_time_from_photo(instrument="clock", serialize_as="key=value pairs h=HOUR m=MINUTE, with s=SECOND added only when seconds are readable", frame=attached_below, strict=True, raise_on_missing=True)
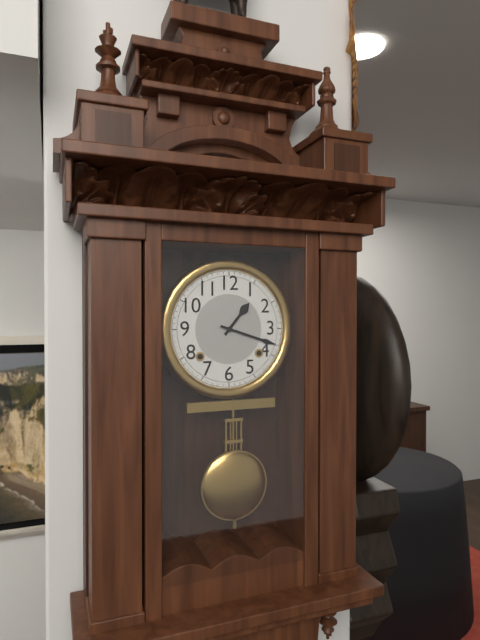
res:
h=1 m=18
